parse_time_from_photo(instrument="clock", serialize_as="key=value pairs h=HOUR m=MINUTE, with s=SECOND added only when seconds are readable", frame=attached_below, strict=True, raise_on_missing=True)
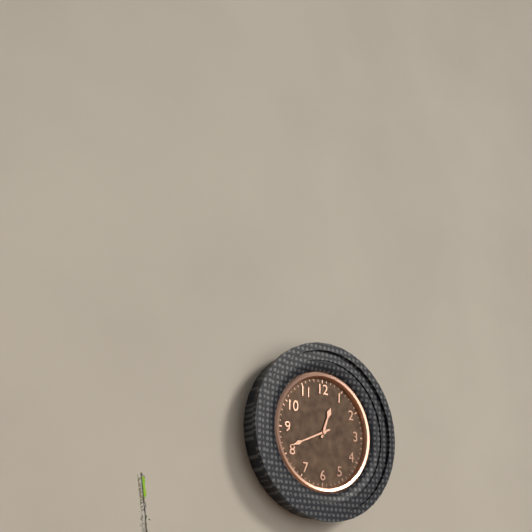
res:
h=12 m=41
